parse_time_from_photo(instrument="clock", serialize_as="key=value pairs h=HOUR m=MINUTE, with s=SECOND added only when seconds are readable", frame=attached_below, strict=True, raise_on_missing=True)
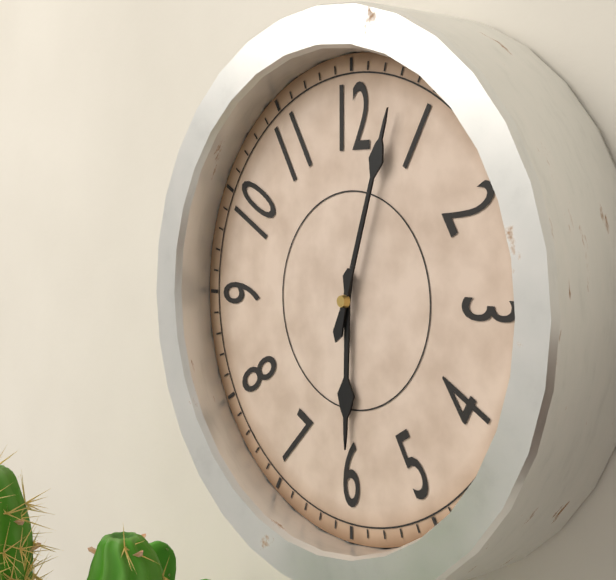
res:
h=6 m=3
